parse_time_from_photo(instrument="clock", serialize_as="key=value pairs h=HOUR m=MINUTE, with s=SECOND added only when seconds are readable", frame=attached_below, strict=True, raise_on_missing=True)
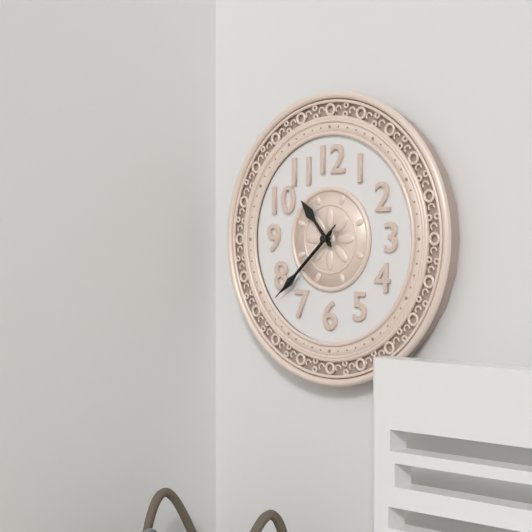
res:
h=10 m=38 s=38
